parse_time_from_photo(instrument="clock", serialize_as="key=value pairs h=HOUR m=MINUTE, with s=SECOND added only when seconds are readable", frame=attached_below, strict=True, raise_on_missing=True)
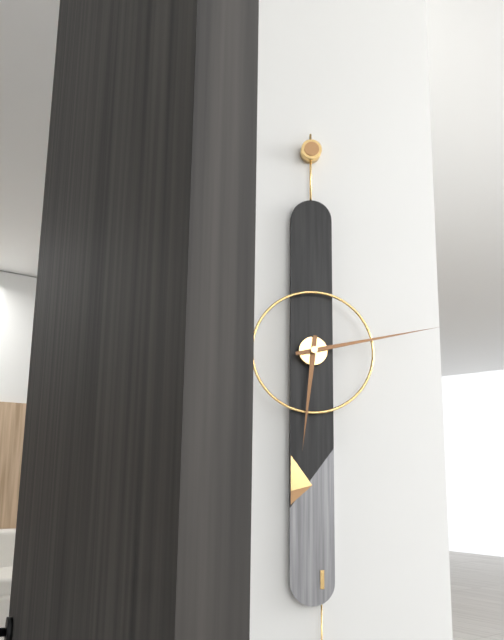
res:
h=6 m=13
